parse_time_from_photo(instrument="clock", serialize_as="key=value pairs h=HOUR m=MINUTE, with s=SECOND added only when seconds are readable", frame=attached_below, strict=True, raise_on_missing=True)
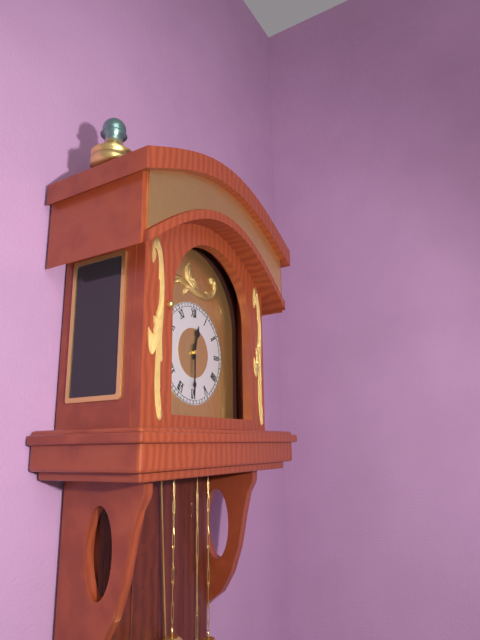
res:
h=12 m=30
